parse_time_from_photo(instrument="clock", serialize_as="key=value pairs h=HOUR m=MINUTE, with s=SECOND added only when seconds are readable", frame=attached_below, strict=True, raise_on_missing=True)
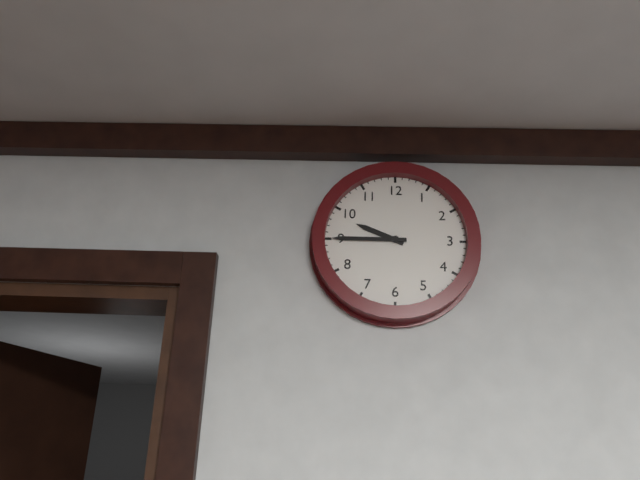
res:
h=9 m=45
